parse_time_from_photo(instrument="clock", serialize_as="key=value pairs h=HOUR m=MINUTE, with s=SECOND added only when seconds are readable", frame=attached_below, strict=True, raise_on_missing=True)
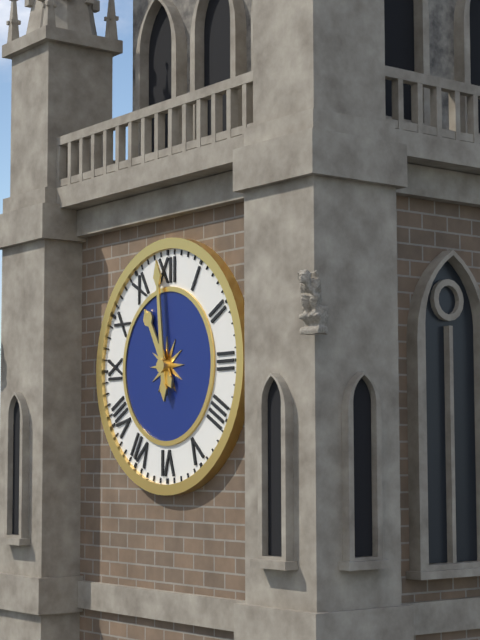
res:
h=10 m=59
